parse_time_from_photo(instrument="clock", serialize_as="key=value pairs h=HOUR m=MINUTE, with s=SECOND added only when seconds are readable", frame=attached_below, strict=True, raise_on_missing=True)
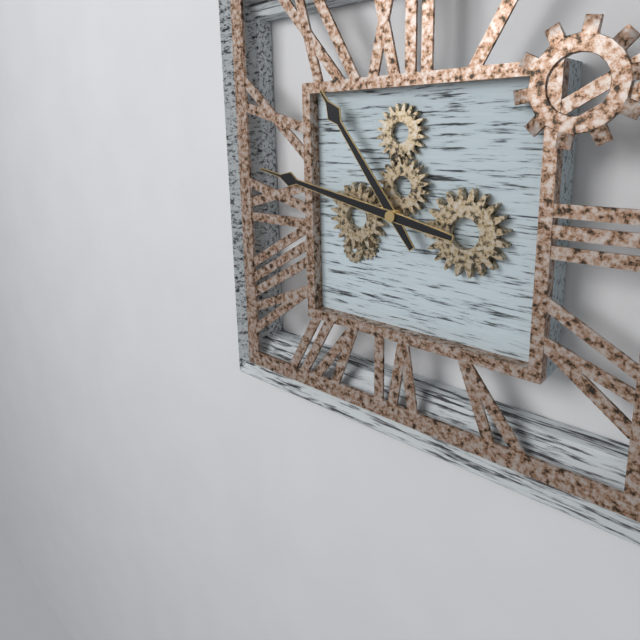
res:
h=10 m=47
